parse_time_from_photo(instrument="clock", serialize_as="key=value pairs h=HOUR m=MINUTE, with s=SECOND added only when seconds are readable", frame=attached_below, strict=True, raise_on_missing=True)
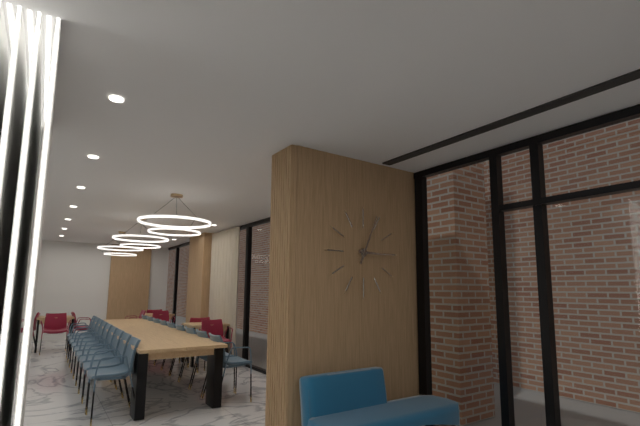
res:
h=3 m=4
